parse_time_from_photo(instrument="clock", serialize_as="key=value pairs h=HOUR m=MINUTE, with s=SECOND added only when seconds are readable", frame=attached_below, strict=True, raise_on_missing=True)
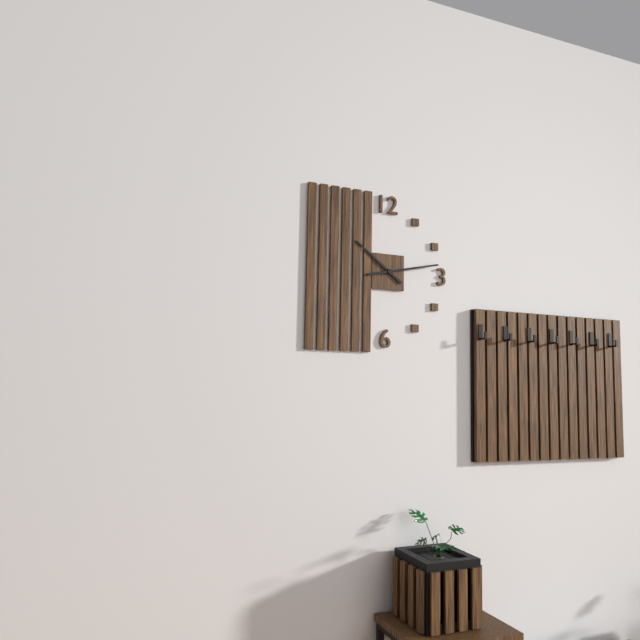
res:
h=10 m=13
